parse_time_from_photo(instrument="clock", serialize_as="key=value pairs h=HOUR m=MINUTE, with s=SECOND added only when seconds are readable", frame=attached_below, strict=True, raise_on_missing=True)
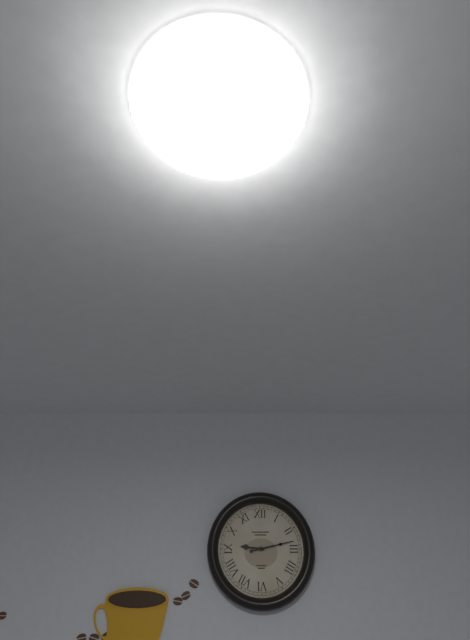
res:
h=9 m=13
